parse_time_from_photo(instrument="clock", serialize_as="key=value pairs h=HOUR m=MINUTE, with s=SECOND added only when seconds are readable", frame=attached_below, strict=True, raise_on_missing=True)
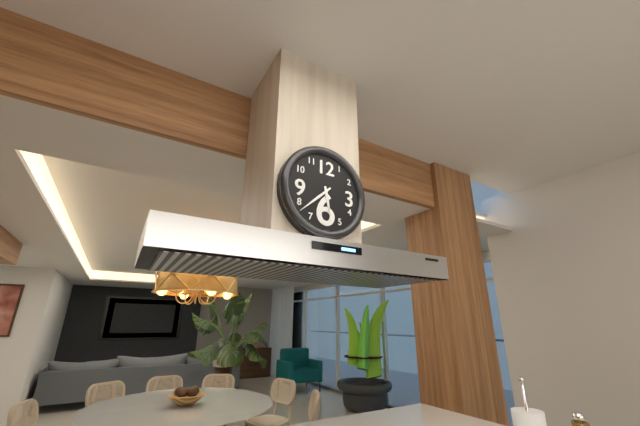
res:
h=5 m=38
